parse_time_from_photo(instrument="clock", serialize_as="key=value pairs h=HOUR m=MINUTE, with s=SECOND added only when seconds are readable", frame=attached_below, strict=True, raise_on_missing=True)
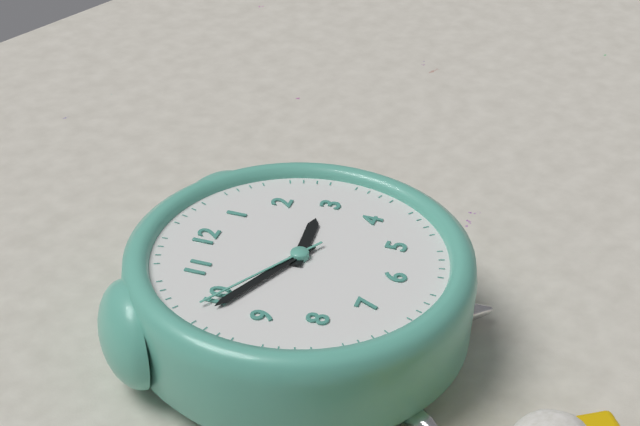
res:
h=2 m=49 s=50
